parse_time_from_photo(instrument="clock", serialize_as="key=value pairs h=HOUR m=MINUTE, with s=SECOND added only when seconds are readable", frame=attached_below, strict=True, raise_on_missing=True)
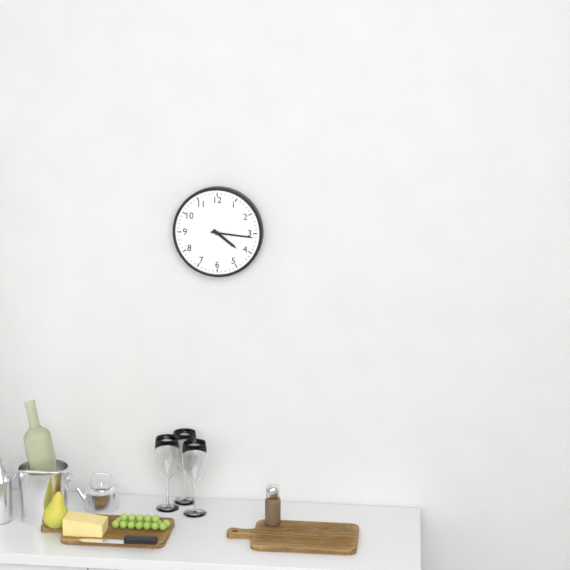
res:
h=4 m=16
